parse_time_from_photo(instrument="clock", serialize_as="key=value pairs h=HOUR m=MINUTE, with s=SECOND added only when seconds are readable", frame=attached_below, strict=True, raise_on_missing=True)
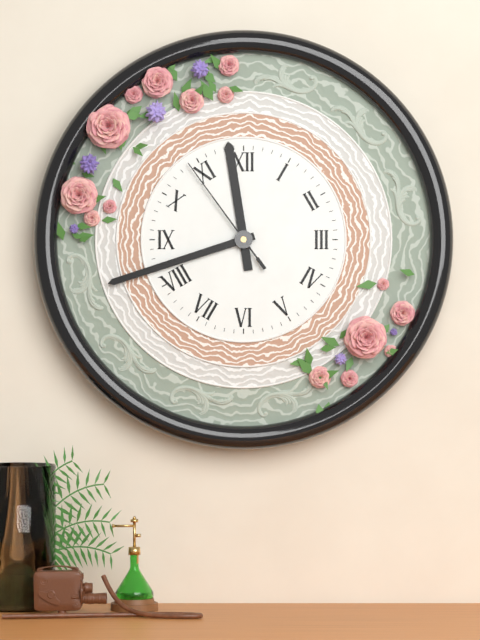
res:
h=11 m=42 s=54
